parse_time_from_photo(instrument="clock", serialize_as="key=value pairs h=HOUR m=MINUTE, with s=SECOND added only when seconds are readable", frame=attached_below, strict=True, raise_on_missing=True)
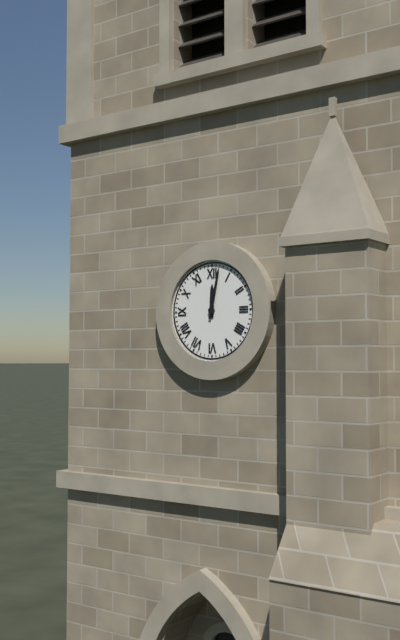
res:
h=12 m=2
